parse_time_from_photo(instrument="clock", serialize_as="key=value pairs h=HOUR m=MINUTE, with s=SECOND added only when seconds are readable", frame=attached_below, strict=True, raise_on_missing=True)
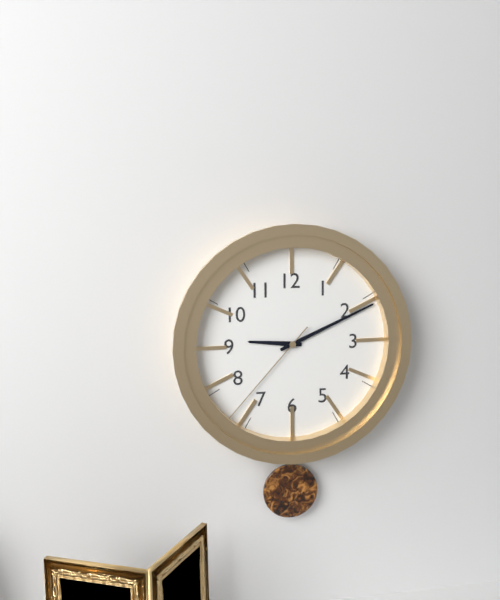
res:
h=9 m=11 s=37
